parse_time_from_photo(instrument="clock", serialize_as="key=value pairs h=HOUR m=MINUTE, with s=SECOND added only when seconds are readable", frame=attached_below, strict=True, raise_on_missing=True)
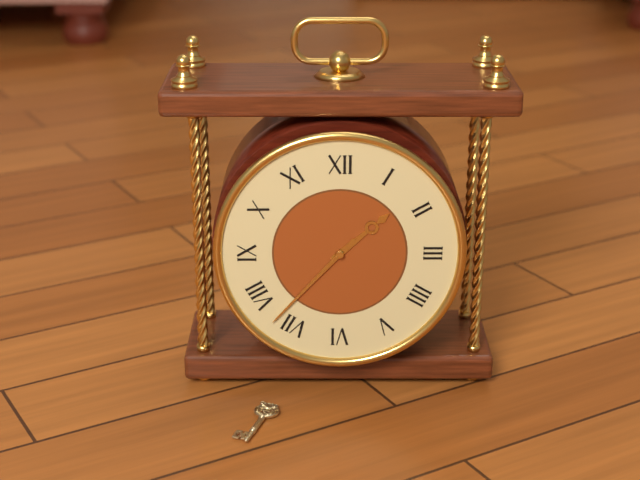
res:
h=1 m=37
